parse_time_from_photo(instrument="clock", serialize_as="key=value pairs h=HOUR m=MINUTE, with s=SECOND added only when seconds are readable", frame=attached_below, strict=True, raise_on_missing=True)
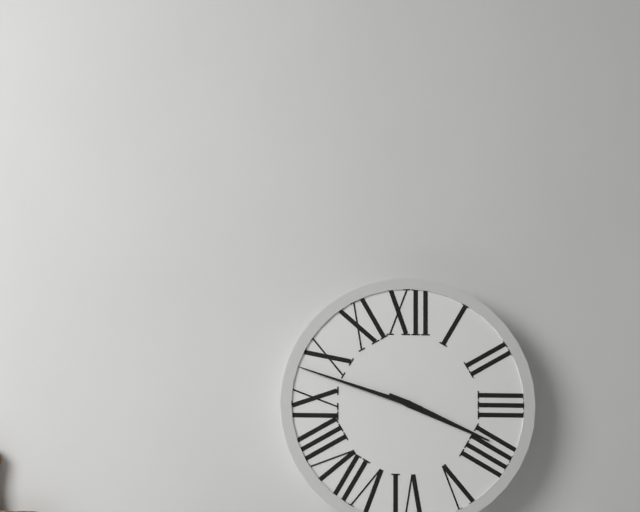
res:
h=3 m=48
